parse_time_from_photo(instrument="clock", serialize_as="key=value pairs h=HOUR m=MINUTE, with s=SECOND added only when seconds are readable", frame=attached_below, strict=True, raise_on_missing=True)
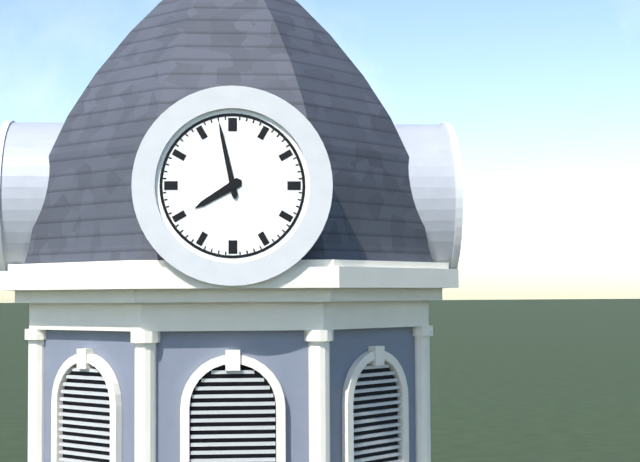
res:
h=7 m=58
